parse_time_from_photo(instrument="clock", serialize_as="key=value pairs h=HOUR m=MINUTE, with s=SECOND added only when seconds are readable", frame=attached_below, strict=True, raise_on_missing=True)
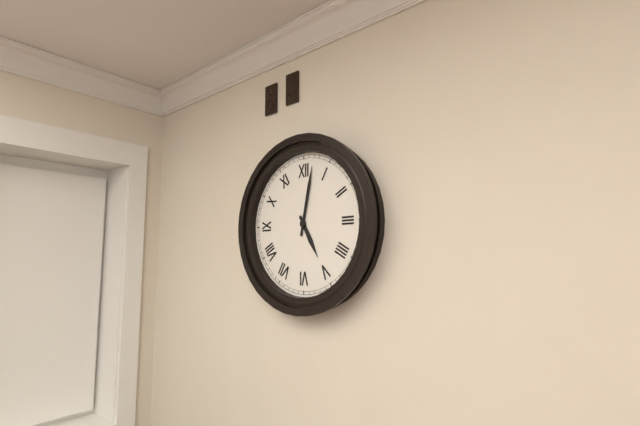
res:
h=5 m=2
